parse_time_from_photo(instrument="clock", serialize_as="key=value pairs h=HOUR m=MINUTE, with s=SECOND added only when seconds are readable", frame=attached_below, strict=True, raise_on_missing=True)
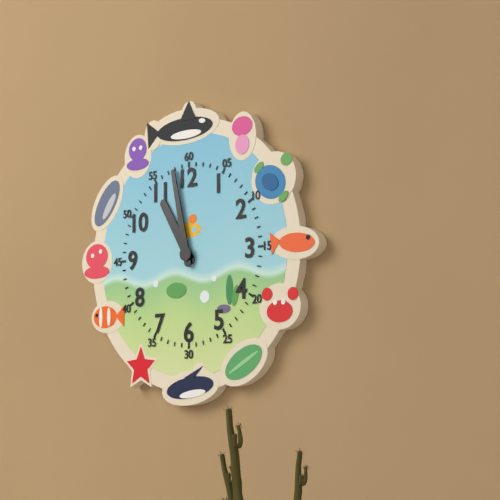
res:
h=10 m=58
